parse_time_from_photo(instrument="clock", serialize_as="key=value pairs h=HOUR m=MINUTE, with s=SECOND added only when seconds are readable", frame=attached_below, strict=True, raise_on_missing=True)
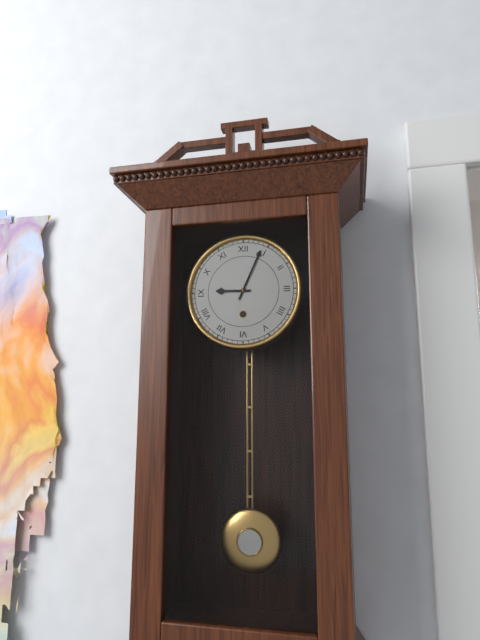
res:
h=9 m=4
